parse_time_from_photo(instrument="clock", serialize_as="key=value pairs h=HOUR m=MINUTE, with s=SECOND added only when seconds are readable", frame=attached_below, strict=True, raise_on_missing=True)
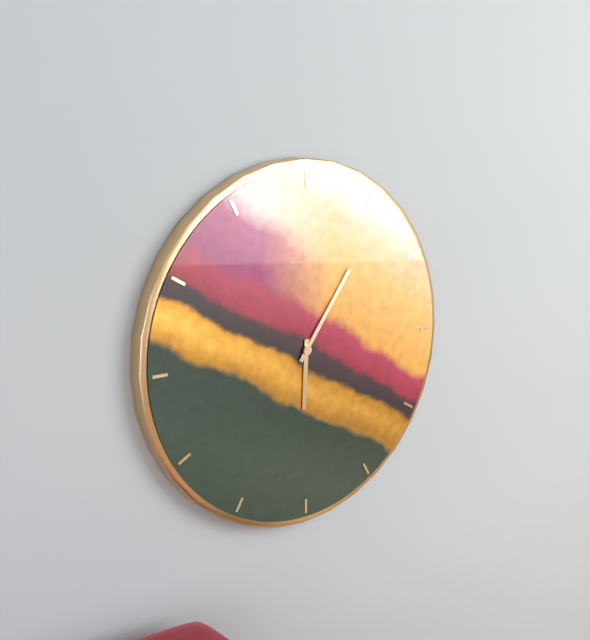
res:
h=6 m=6
